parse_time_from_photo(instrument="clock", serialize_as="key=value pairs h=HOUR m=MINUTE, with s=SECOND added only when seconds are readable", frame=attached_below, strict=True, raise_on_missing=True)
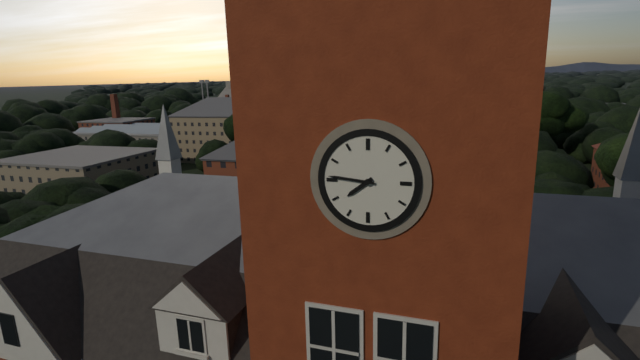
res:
h=7 m=46
